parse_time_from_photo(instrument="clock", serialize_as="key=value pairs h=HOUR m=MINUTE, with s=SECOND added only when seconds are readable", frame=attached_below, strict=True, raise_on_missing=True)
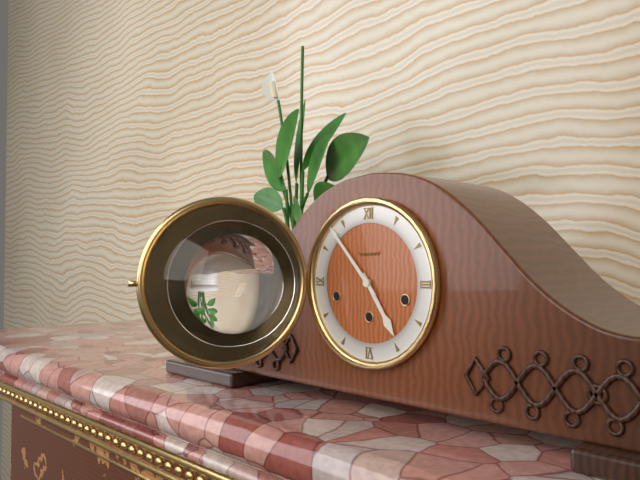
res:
h=4 m=53
